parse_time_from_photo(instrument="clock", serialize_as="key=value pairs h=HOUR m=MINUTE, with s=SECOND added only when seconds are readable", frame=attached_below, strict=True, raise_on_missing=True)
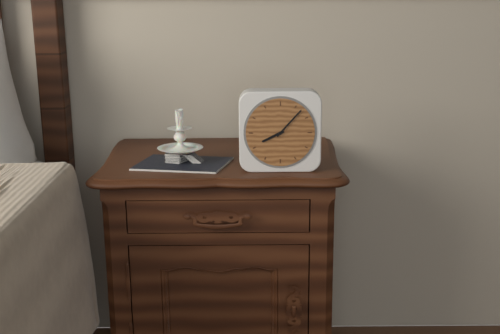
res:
h=8 m=7
